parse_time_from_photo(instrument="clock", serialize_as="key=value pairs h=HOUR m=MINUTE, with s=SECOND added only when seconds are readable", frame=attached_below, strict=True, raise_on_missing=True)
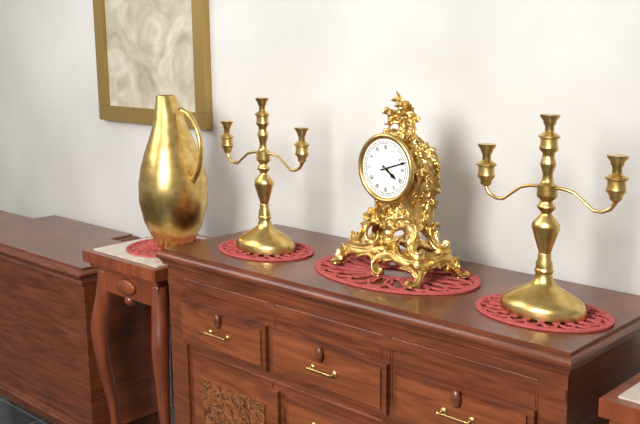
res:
h=4 m=12
